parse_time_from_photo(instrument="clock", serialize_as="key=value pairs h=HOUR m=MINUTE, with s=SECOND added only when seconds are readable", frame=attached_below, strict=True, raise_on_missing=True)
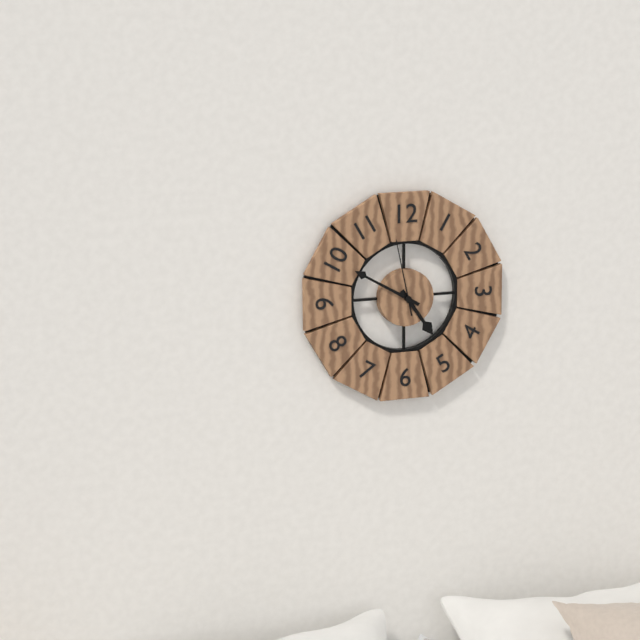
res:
h=4 m=50 s=58
